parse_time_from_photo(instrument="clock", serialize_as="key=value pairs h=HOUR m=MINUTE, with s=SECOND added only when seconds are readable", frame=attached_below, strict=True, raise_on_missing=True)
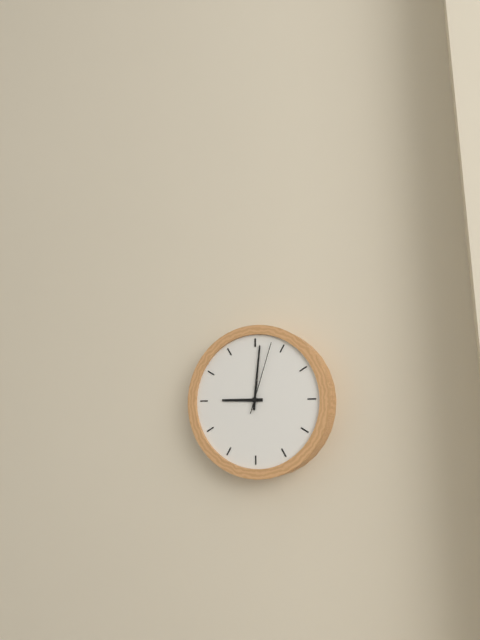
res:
h=9 m=1 s=3
